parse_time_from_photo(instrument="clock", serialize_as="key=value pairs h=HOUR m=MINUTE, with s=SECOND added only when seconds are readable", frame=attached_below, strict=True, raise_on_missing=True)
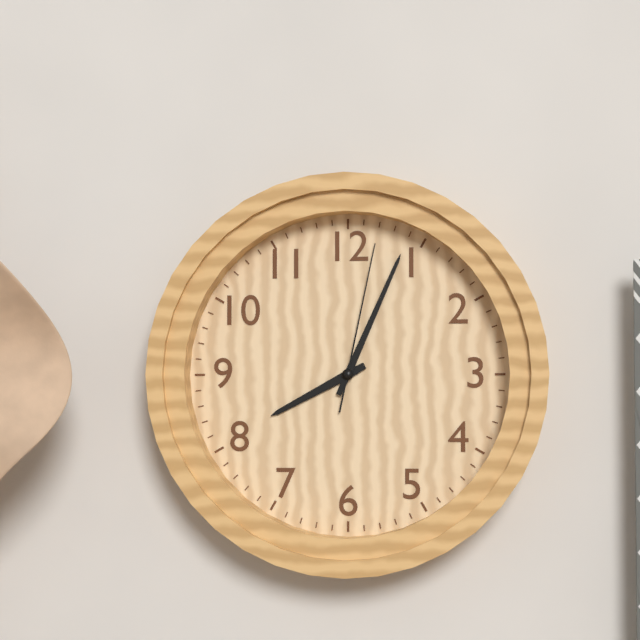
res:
h=8 m=4 s=2
